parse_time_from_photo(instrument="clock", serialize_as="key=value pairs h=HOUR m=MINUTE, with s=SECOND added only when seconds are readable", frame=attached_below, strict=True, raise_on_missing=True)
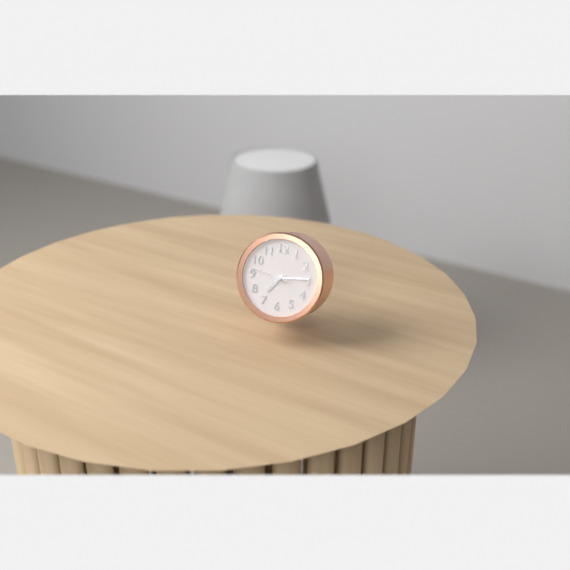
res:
h=7 m=14
